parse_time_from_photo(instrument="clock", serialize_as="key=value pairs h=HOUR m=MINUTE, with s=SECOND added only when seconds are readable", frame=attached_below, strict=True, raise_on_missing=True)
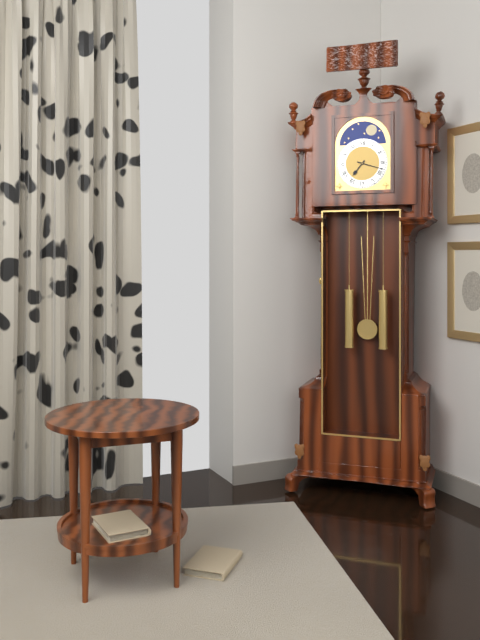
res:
h=7 m=18
